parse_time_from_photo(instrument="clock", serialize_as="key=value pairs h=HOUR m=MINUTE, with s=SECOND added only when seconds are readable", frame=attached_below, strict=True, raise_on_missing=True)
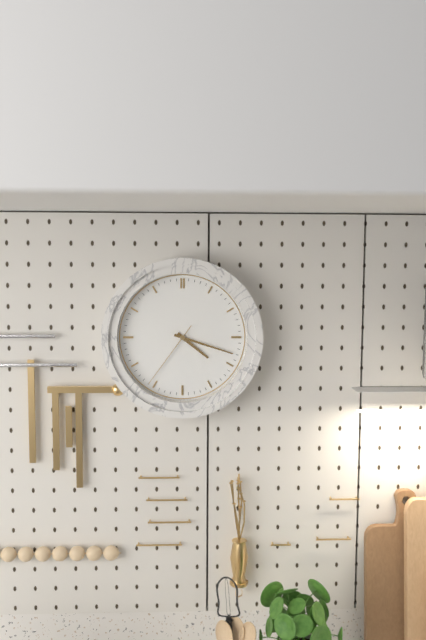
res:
h=4 m=18 s=36
